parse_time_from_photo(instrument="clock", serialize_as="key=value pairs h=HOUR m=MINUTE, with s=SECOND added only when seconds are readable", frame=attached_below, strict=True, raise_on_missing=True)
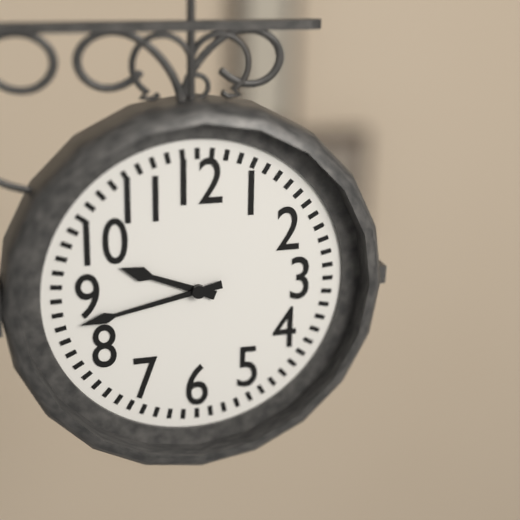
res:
h=9 m=43
